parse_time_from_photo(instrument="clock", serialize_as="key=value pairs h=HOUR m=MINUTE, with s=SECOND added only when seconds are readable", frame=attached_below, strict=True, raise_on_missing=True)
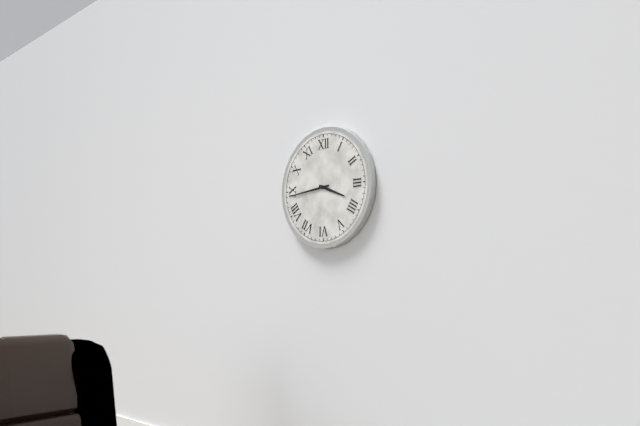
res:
h=3 m=44
